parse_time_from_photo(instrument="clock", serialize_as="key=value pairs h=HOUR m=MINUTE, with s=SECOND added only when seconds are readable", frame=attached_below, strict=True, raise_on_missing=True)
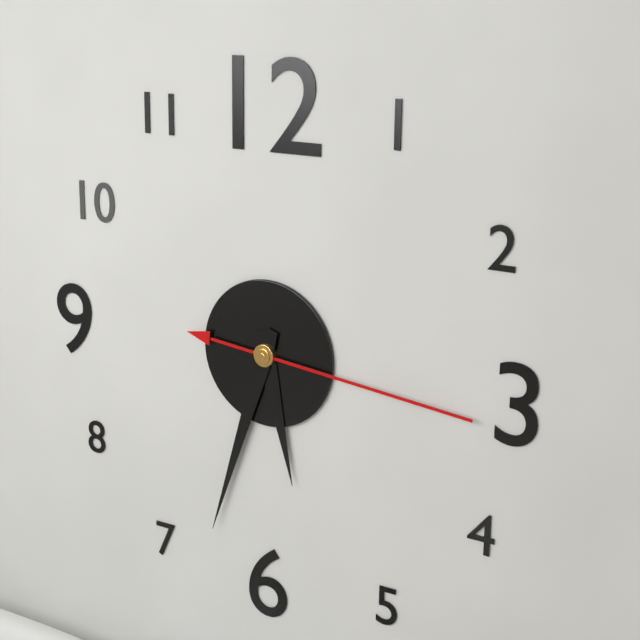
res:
h=5 m=33 s=16
